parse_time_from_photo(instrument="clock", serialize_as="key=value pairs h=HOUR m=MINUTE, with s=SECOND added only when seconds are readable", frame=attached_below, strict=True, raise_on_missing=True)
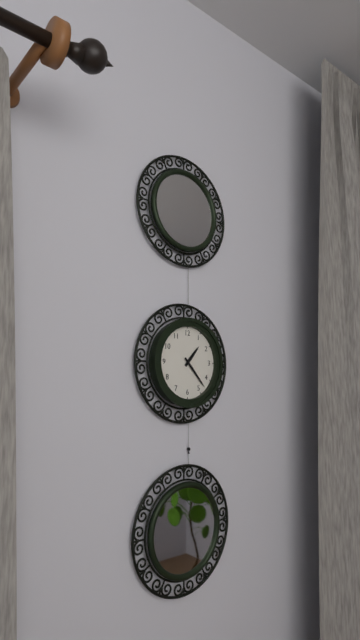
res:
h=1 m=23
